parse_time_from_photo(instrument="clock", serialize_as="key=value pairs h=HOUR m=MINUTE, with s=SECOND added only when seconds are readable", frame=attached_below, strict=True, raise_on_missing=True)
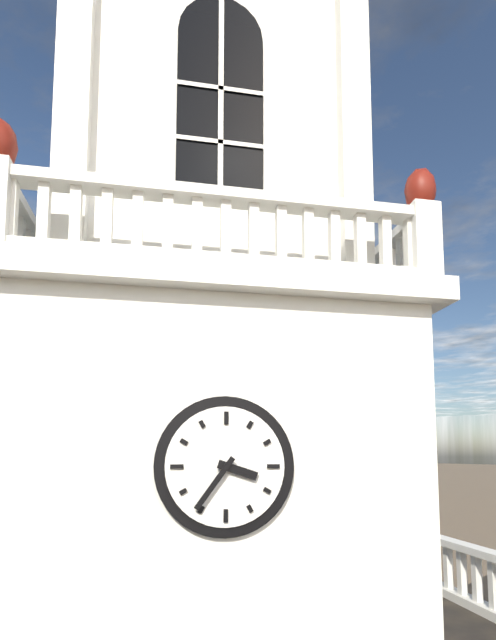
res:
h=3 m=36
